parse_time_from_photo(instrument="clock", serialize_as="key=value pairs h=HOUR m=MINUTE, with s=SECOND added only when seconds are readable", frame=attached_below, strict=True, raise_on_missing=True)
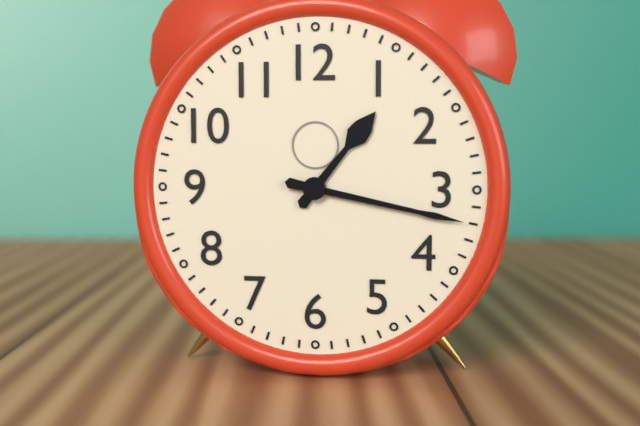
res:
h=1 m=17
